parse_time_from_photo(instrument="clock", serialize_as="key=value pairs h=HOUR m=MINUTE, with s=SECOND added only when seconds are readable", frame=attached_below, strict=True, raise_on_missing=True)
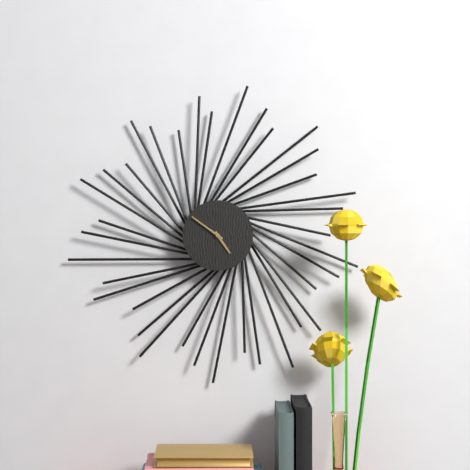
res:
h=4 m=51
